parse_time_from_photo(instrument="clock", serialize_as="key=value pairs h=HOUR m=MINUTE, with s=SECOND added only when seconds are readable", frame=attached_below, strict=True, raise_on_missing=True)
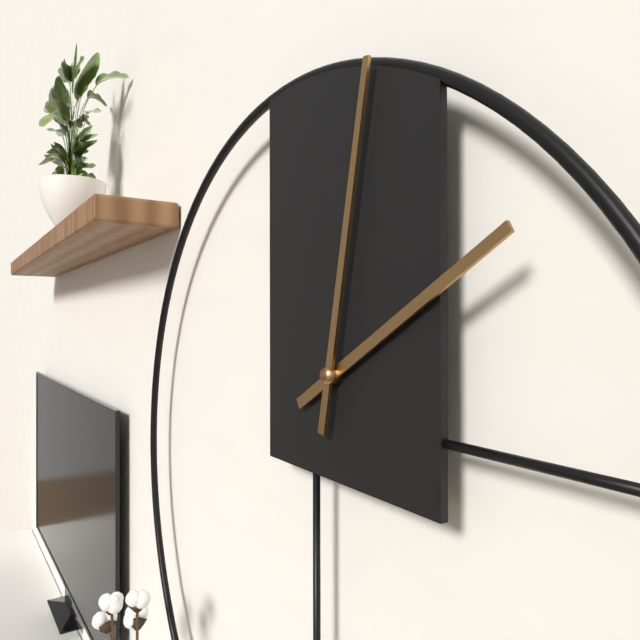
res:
h=2 m=2
